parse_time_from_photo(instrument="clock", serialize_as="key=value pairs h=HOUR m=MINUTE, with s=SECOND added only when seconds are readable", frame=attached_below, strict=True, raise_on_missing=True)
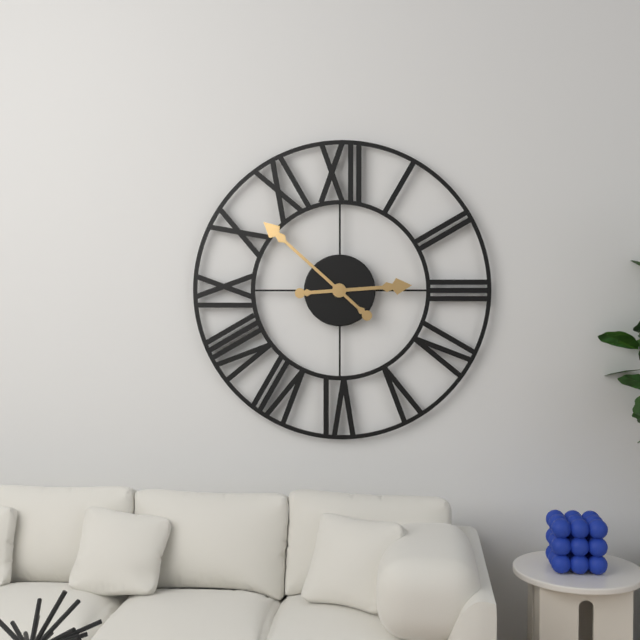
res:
h=2 m=52
